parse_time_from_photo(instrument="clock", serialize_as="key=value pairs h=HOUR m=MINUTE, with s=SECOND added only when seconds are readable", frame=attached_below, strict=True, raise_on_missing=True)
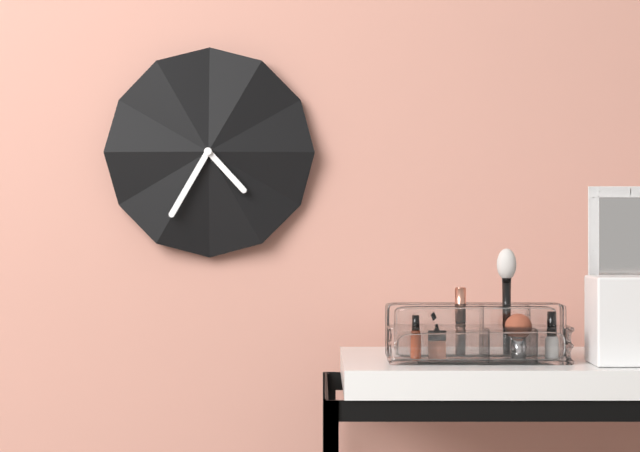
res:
h=4 m=35
